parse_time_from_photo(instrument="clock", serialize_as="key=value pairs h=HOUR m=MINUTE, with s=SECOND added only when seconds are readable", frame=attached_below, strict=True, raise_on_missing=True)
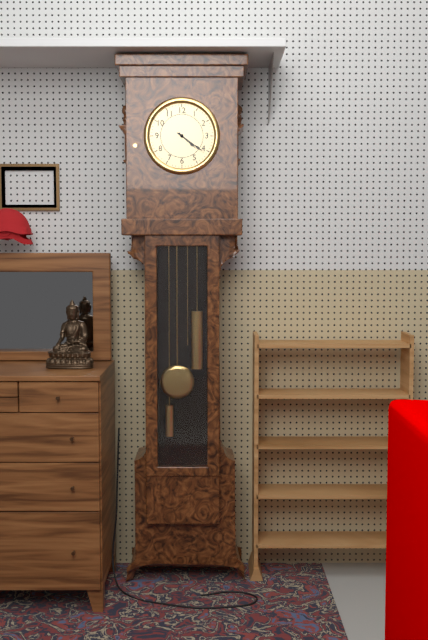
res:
h=4 m=21
